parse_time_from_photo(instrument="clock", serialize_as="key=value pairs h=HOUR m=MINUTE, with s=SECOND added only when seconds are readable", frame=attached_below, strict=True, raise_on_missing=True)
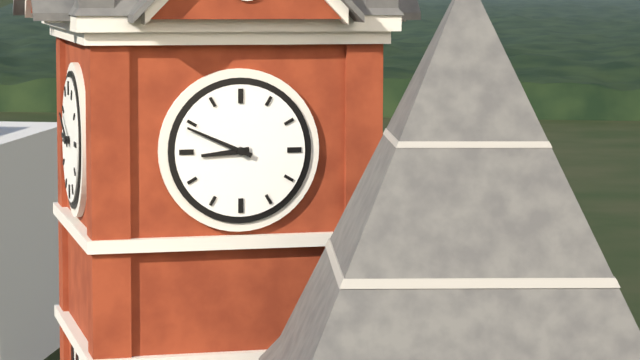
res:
h=8 m=49
